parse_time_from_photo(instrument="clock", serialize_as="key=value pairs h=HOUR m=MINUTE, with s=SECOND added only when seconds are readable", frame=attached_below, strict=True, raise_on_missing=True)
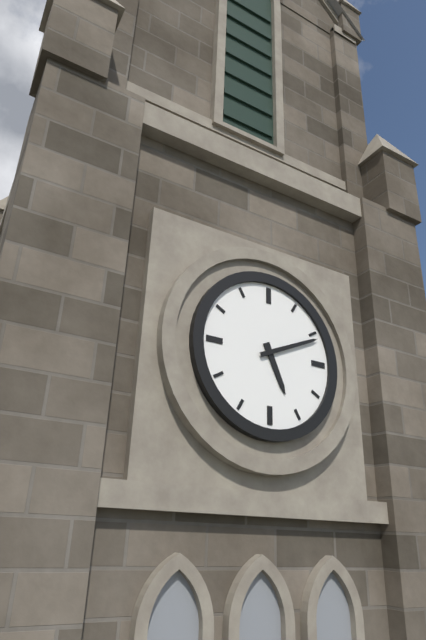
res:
h=5 m=11
